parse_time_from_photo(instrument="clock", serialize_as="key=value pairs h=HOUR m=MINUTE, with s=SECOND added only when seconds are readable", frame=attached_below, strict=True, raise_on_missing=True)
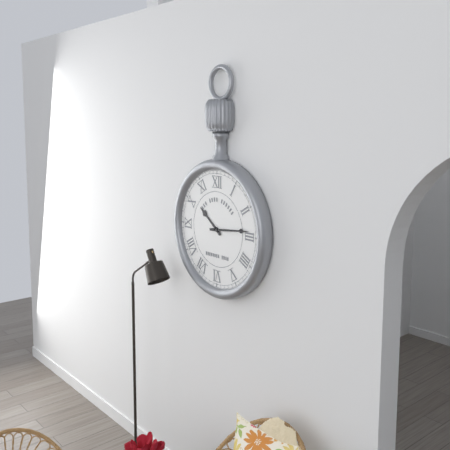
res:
h=10 m=14
